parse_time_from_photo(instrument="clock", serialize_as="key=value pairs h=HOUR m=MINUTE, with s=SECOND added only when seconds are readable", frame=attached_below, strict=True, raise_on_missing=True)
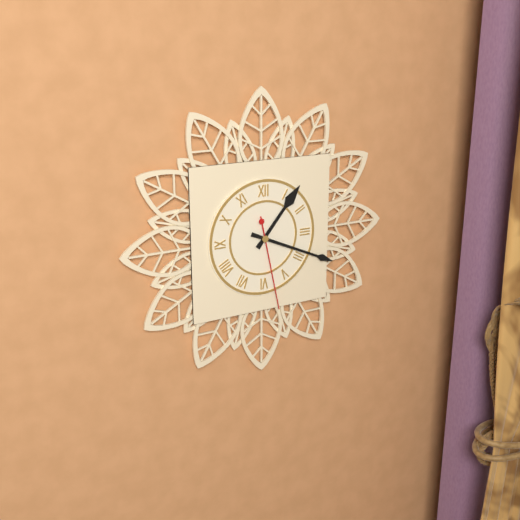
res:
h=1 m=19 s=28
